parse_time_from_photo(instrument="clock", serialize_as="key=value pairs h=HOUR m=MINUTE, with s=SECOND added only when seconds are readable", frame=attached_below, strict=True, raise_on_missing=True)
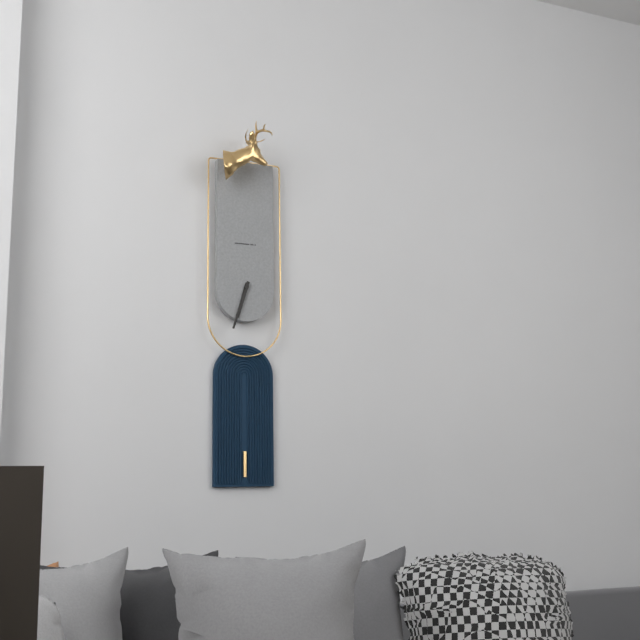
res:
h=6 m=33
